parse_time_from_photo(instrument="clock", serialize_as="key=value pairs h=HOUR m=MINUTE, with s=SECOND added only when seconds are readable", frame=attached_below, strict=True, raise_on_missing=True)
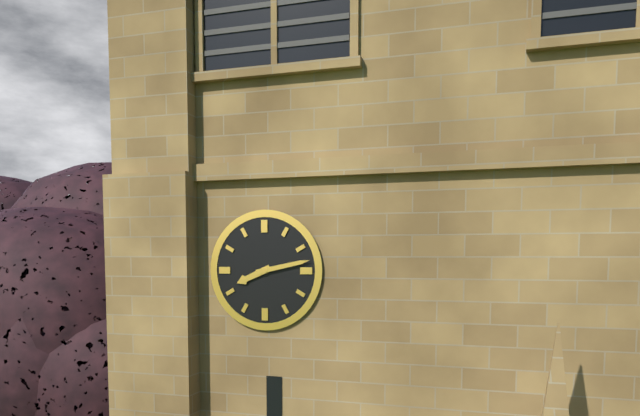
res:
h=8 m=13
